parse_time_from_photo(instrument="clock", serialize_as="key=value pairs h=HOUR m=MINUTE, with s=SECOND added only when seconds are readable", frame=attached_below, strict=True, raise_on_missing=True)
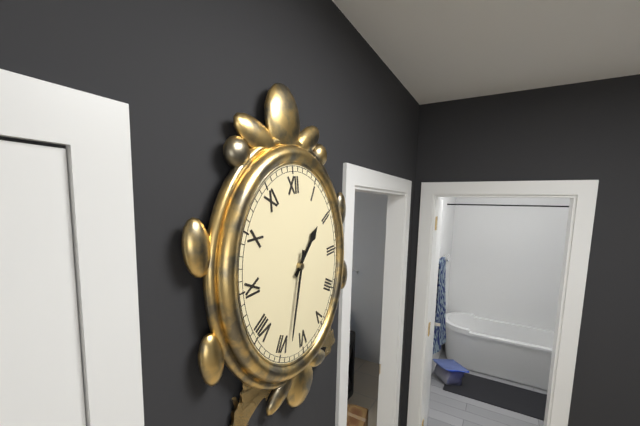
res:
h=1 m=33
